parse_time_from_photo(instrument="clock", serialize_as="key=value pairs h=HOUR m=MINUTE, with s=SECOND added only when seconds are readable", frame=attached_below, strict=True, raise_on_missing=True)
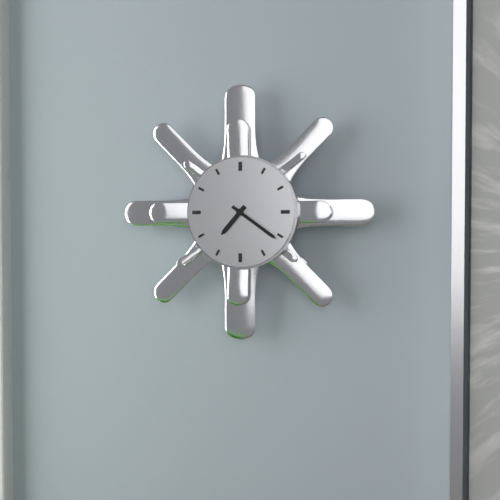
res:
h=7 m=21
